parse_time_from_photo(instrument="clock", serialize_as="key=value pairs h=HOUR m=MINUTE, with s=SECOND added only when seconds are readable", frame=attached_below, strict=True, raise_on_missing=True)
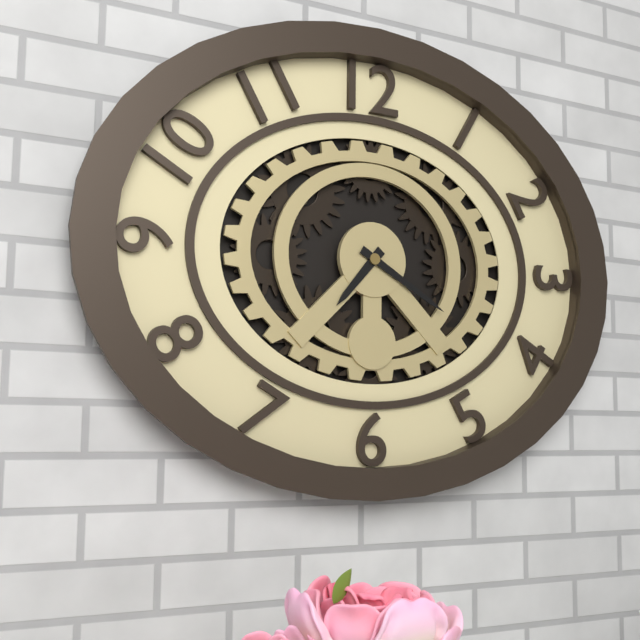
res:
h=7 m=20
